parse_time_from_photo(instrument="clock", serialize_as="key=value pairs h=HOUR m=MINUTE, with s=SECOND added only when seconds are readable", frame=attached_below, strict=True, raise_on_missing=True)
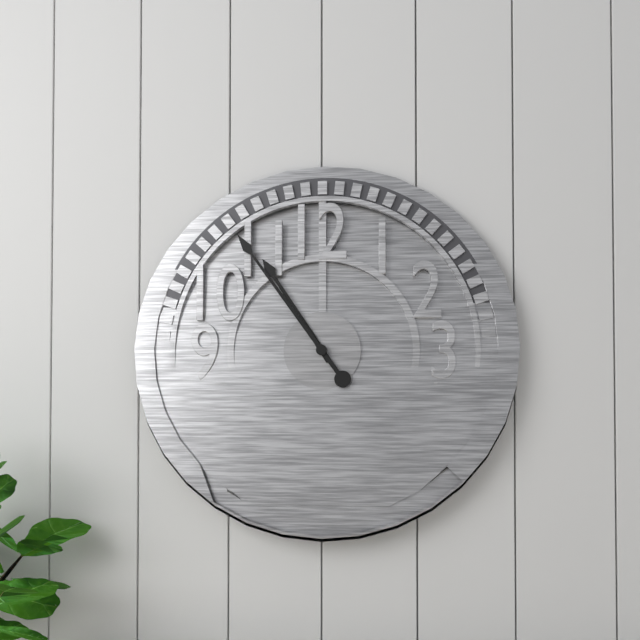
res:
h=10 m=54
